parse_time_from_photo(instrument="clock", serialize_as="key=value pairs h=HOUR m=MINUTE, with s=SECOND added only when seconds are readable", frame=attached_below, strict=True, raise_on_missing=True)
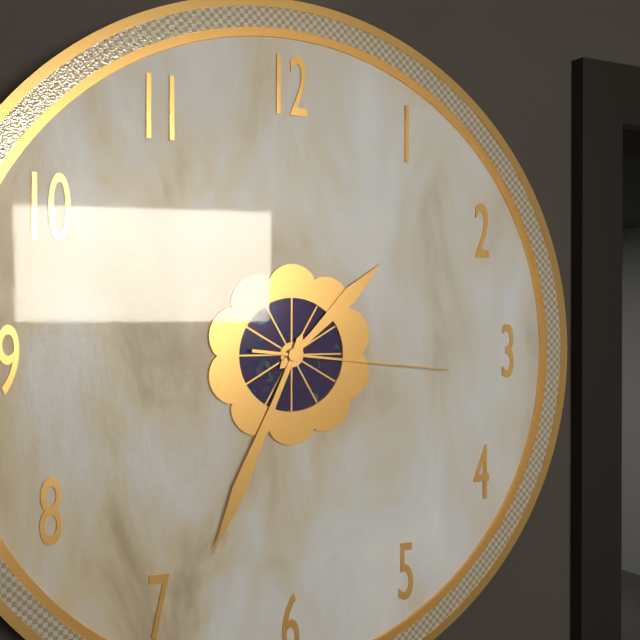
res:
h=1 m=34 s=16
